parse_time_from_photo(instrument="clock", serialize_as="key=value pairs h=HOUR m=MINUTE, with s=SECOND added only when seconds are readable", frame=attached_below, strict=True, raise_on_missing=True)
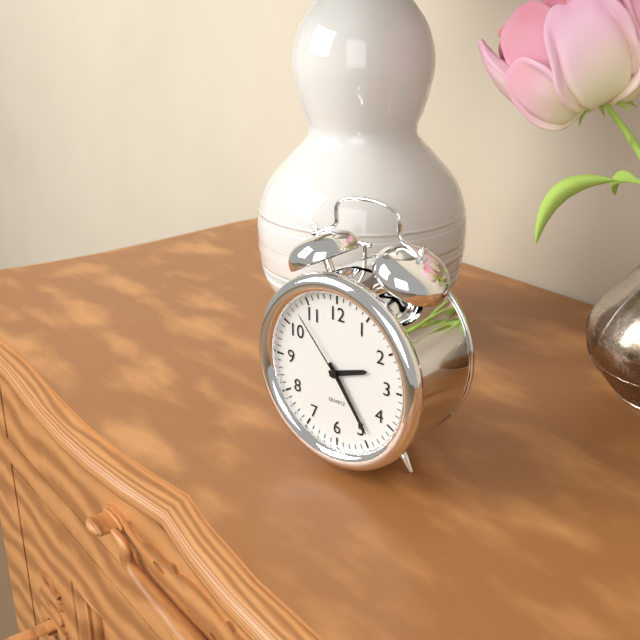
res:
h=2 m=24 s=53
